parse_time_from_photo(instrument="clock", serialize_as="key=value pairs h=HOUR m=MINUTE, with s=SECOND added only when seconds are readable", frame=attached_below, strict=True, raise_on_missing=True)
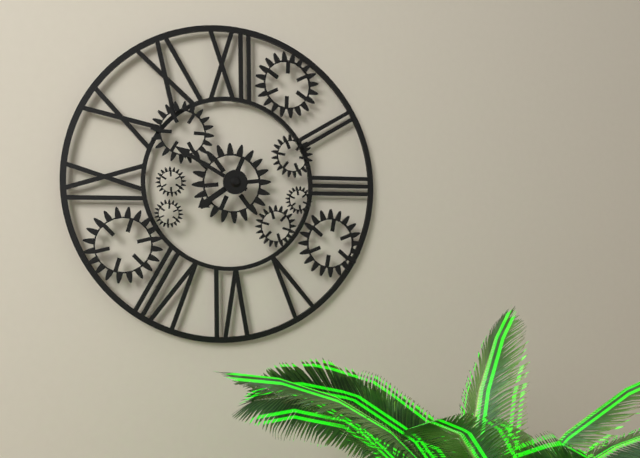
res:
h=7 m=50
